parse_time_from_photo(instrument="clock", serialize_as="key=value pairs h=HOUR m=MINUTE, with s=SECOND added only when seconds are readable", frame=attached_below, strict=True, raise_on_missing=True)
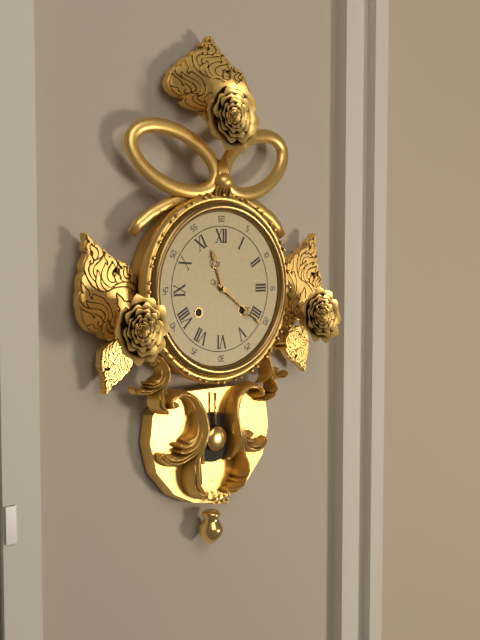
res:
h=11 m=21
